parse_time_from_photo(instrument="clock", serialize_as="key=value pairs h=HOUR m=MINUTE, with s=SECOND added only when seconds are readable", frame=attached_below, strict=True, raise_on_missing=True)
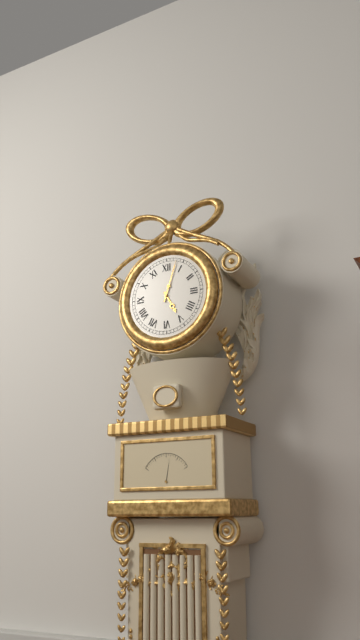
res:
h=5 m=3
